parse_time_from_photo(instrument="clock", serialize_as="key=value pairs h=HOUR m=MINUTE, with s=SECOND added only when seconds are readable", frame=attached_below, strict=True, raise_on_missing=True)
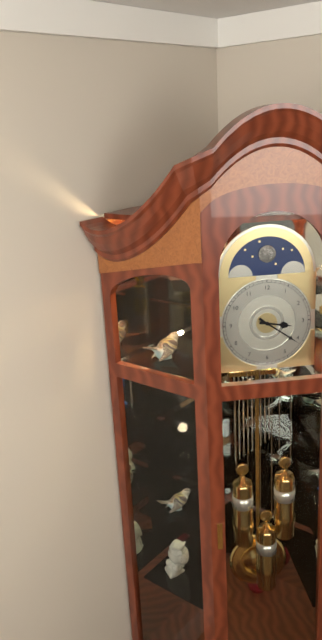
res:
h=3 m=21
